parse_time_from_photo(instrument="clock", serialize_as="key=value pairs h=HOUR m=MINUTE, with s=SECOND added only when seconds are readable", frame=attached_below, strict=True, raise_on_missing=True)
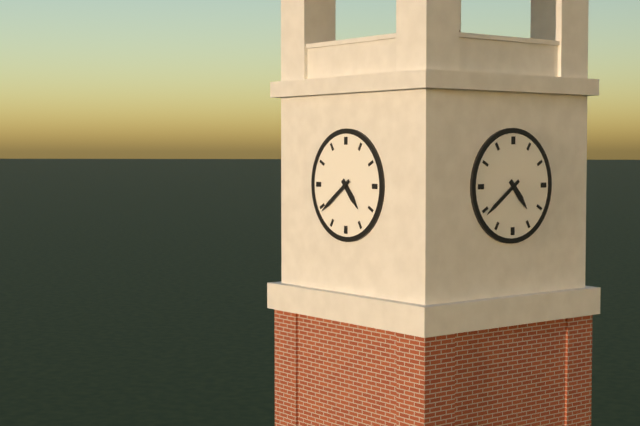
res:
h=4 m=39
